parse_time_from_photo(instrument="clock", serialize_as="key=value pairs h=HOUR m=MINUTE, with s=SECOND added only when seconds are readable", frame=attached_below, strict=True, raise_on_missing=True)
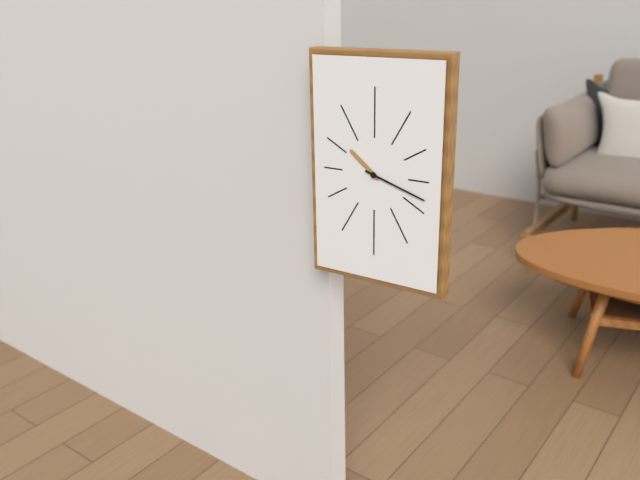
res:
h=10 m=18
